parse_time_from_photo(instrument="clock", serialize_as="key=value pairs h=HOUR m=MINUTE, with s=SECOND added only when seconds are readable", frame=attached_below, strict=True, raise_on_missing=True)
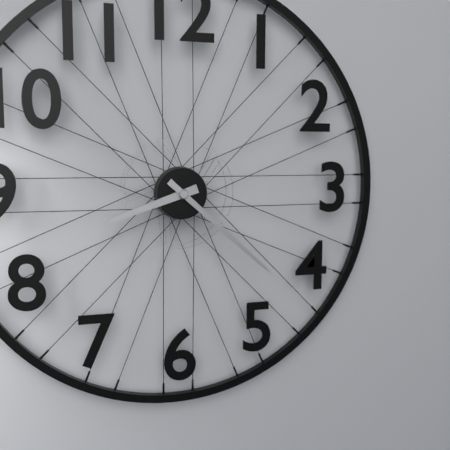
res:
h=8 m=22
